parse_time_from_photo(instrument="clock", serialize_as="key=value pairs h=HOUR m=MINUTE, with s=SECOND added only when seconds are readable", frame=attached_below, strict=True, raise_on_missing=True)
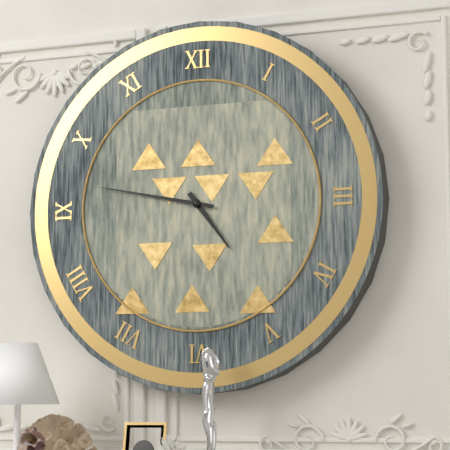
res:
h=4 m=47
